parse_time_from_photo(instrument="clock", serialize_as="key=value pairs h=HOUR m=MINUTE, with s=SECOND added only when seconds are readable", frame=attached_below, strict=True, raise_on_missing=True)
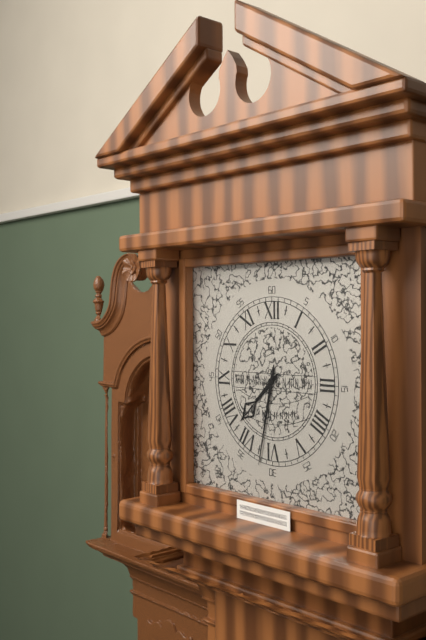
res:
h=7 m=32
